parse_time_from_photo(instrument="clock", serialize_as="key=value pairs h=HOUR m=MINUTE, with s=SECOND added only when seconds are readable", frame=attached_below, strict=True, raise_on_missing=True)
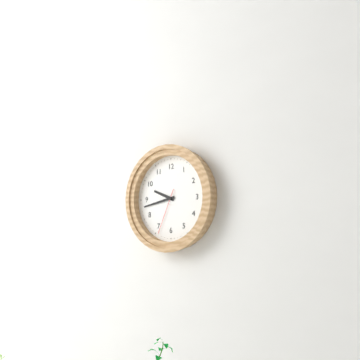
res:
h=9 m=43
